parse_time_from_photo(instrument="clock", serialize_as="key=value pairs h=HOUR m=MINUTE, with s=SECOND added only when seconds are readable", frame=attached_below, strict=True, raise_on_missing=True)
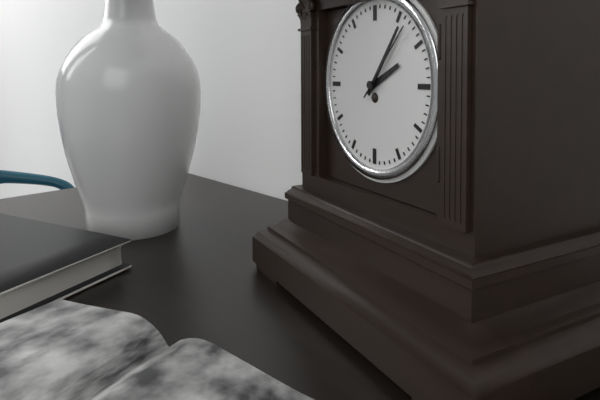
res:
h=2 m=6 s=7
